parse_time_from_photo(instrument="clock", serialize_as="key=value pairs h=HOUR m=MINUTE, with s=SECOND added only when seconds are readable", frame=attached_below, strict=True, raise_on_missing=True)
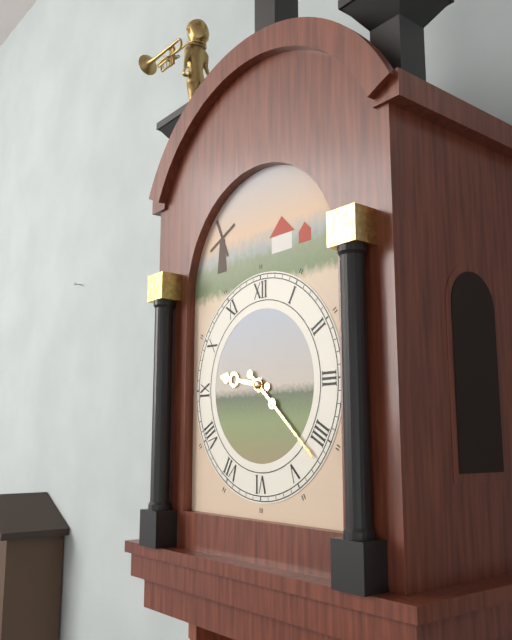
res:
h=9 m=22
